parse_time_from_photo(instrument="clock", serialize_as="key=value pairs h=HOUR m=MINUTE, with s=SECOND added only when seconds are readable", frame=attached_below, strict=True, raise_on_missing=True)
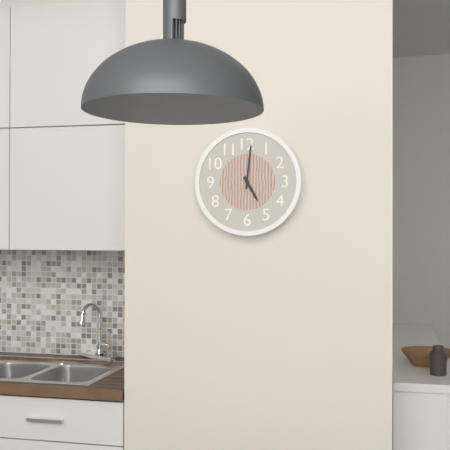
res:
h=5 m=1
